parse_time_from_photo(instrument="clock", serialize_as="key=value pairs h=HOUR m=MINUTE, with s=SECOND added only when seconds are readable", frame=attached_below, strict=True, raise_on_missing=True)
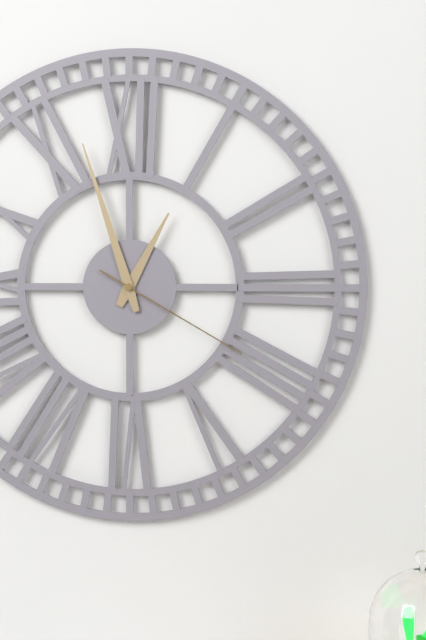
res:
h=12 m=57 s=20
